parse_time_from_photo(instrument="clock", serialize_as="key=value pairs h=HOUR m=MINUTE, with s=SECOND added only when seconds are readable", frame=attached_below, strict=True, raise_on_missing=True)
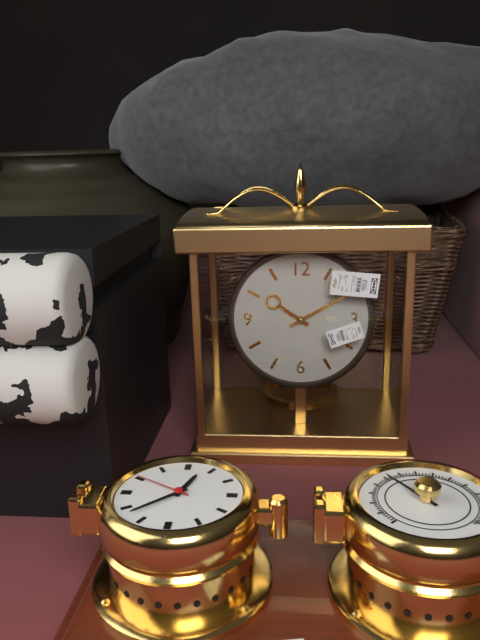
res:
h=10 m=10
